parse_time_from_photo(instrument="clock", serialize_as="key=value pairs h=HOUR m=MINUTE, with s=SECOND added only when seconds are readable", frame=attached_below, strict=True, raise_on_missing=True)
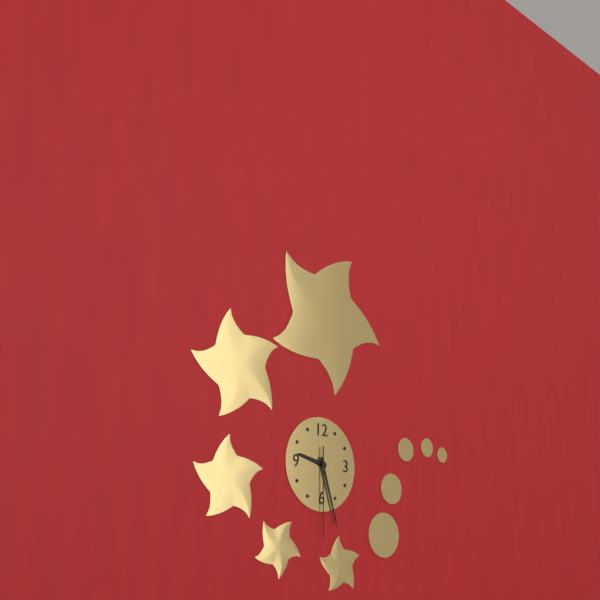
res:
h=9 m=27 s=30
